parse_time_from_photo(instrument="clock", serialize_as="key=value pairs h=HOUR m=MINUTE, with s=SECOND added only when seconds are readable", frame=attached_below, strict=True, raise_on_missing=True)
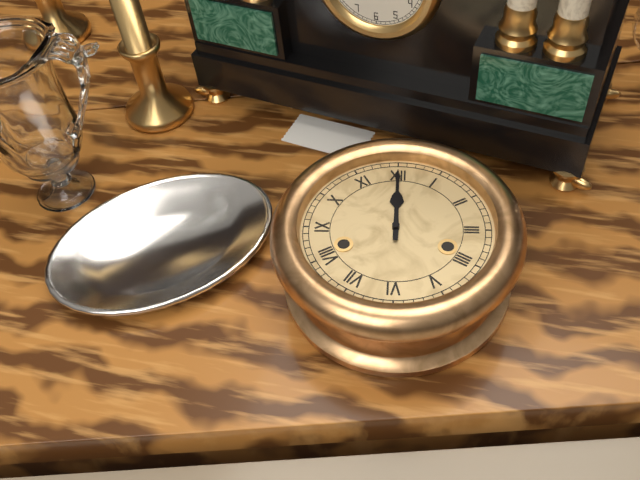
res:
h=12 m=0
